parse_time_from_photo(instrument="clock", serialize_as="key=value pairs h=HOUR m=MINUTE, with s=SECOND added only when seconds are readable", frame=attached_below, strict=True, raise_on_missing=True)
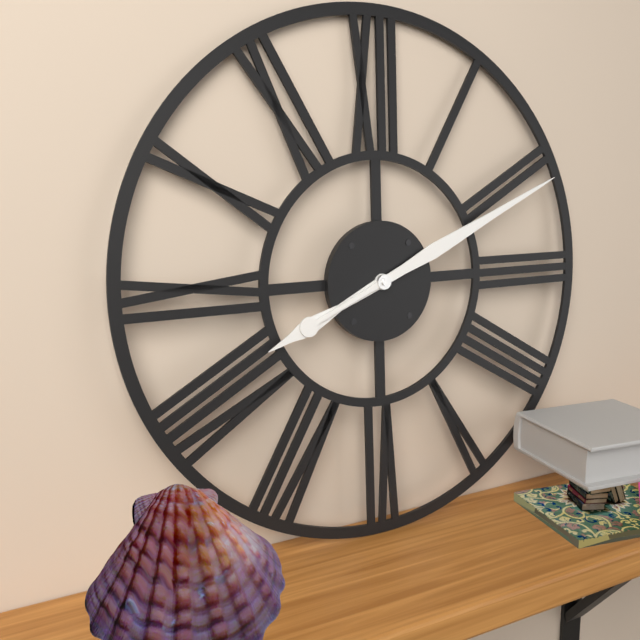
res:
h=8 m=11
